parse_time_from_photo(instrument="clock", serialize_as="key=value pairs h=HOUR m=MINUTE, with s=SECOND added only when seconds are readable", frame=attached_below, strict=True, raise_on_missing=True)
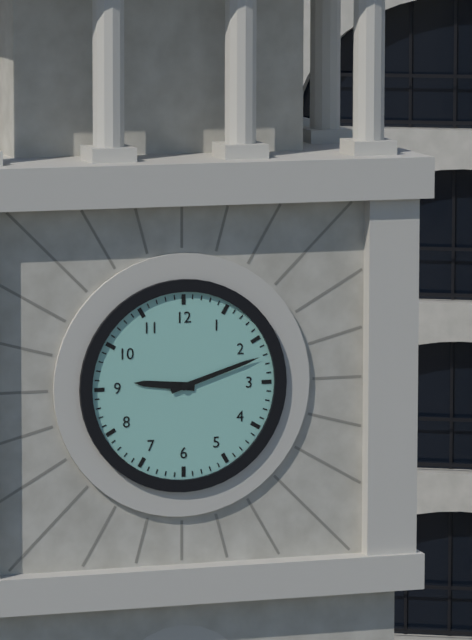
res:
h=9 m=12
